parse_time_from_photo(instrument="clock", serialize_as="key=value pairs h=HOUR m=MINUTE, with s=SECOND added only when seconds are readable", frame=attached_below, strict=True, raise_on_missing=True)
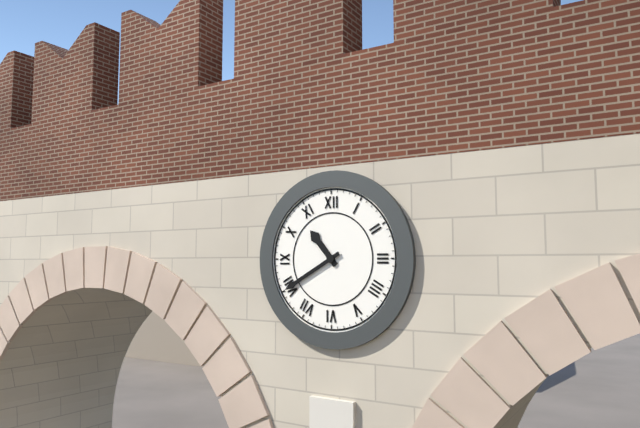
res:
h=10 m=40
